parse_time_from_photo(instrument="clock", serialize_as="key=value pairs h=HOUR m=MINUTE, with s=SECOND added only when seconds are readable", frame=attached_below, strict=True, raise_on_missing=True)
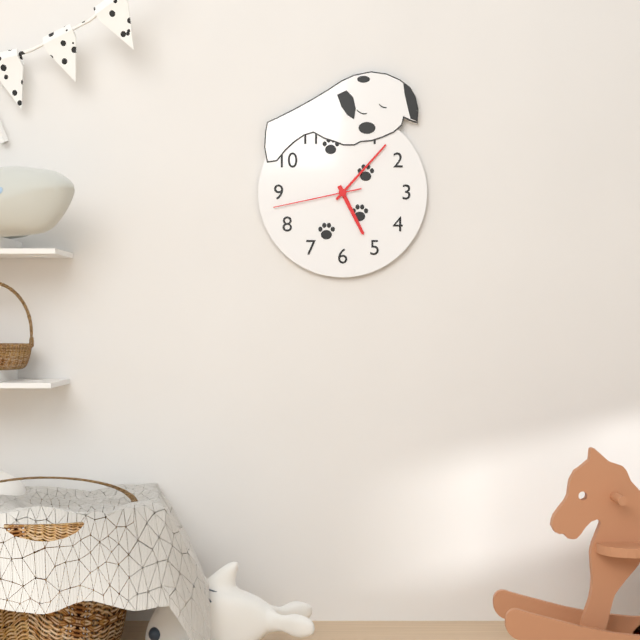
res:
h=5 m=7 s=43
